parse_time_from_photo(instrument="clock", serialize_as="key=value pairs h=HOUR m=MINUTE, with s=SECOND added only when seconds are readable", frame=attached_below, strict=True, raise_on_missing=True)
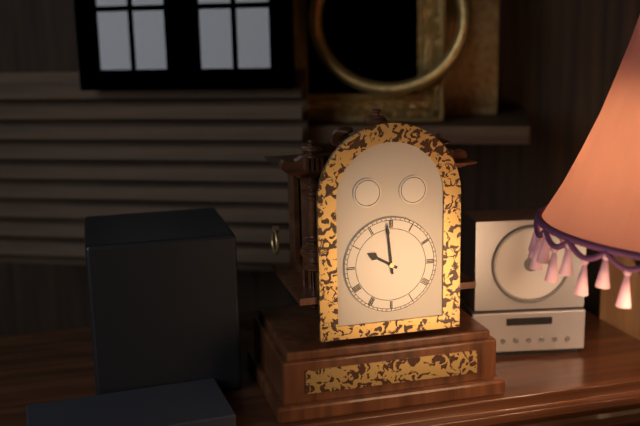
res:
h=9 m=59
